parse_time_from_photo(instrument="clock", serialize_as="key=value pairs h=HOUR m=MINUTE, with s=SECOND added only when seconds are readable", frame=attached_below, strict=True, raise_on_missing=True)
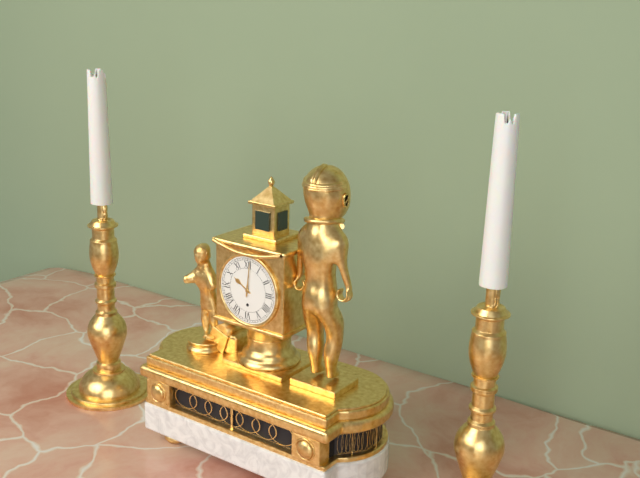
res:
h=10 m=1
